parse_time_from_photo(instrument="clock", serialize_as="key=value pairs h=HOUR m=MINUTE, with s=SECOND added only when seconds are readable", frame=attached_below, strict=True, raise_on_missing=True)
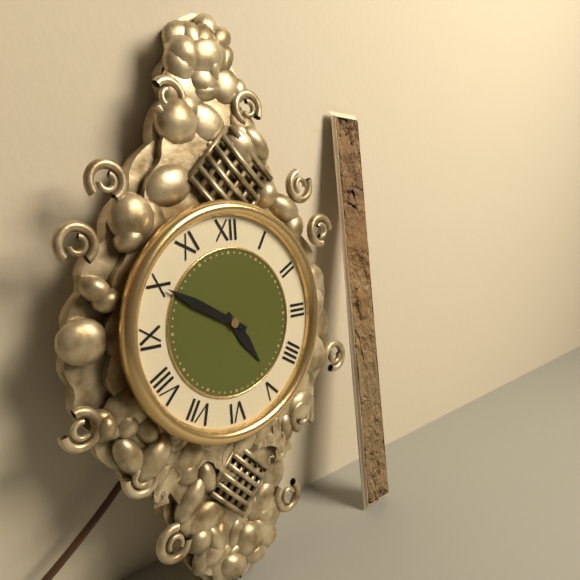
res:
h=4 m=50
